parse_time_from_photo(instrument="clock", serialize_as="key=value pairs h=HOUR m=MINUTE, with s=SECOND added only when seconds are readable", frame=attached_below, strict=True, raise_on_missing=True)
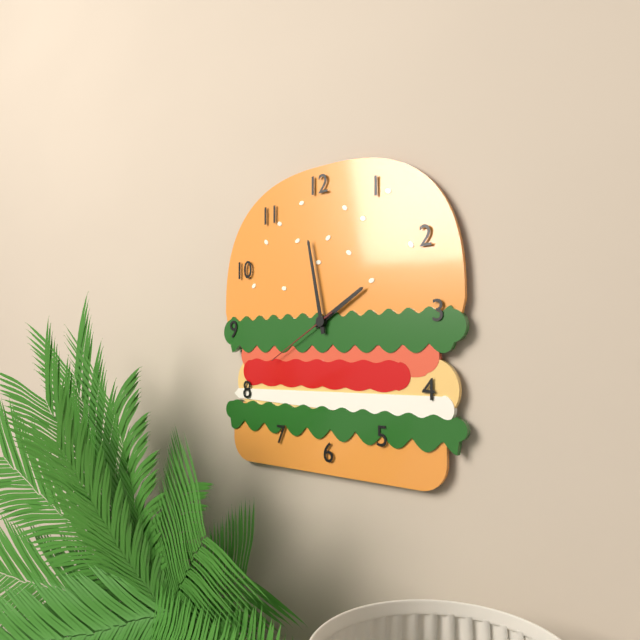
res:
h=1 m=58 s=40
